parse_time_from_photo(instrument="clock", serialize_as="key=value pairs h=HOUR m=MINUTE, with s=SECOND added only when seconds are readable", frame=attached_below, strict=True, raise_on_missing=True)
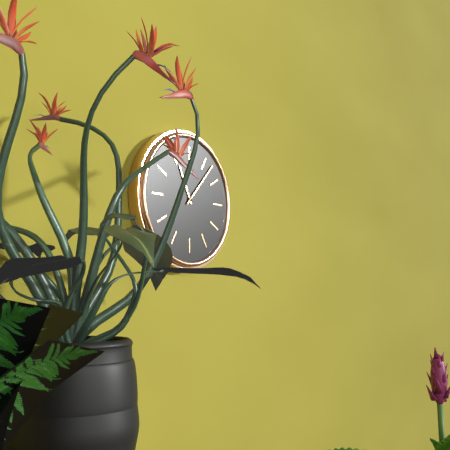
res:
h=11 m=7
